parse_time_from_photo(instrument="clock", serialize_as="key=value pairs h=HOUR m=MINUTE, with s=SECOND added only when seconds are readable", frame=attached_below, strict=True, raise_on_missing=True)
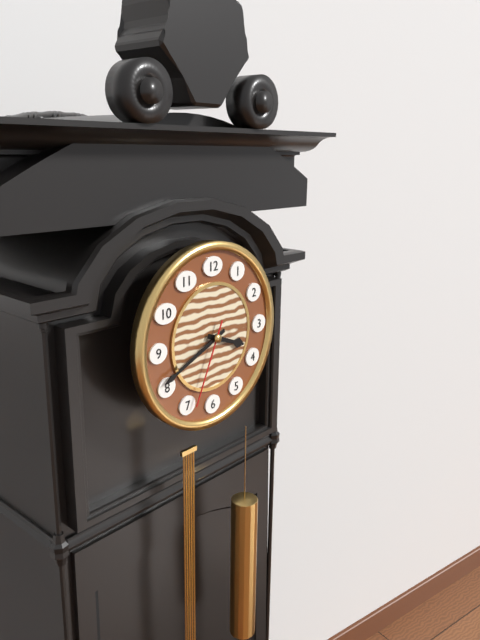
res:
h=3 m=41 s=34
